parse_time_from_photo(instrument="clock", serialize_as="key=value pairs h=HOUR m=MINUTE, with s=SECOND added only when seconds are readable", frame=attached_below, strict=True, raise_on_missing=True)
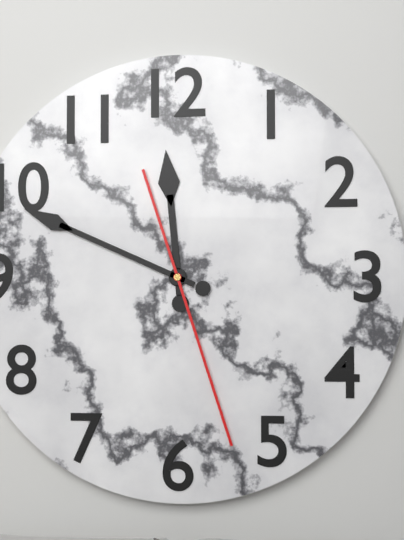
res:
h=11 m=49 s=27
